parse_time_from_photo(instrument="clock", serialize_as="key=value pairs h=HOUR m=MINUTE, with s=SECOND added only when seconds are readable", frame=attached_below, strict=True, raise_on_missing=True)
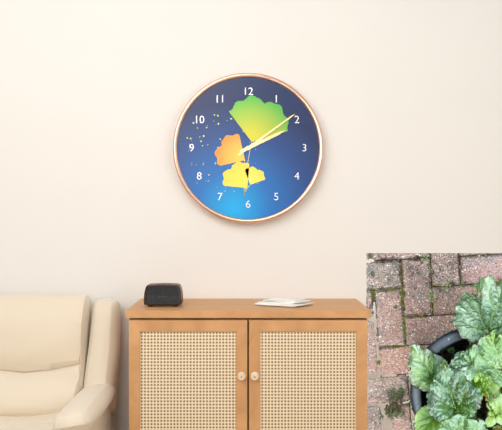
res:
h=2 m=9
